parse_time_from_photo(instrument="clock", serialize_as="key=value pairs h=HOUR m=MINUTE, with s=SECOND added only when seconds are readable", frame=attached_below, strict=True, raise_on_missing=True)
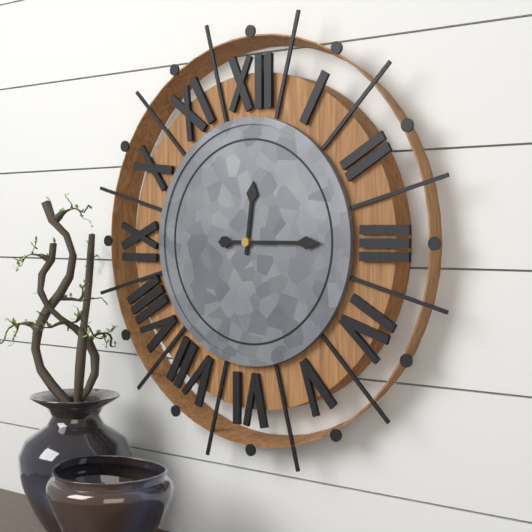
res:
h=12 m=15
